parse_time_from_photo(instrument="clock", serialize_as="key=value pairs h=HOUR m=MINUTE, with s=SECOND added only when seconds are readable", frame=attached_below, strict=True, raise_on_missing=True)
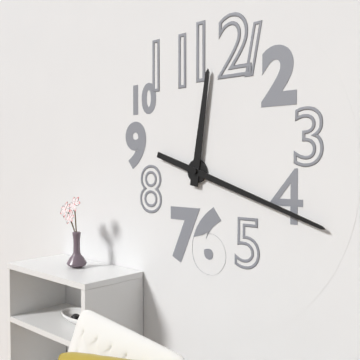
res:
h=12 m=18
